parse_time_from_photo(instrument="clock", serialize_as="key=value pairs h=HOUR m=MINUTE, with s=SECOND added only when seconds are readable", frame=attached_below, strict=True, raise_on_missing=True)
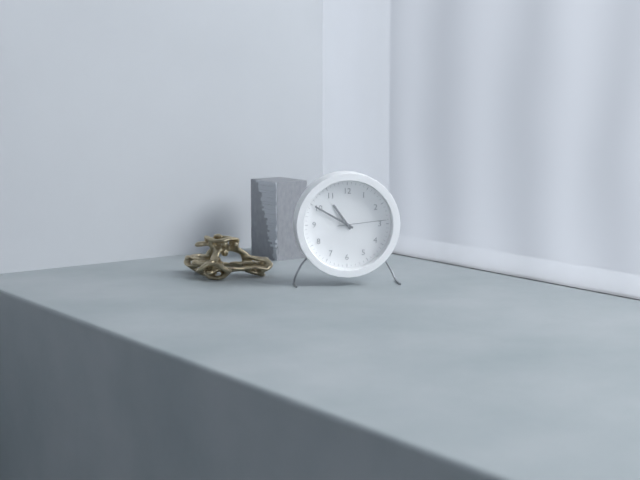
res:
h=10 m=50
